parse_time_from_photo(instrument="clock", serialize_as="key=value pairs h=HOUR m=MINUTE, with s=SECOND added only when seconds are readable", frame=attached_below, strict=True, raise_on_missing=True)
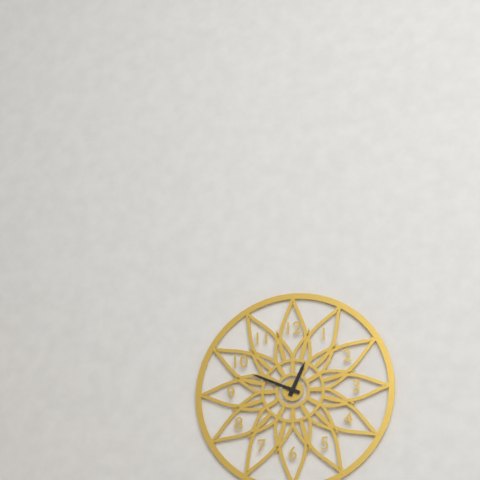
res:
h=12 m=49
